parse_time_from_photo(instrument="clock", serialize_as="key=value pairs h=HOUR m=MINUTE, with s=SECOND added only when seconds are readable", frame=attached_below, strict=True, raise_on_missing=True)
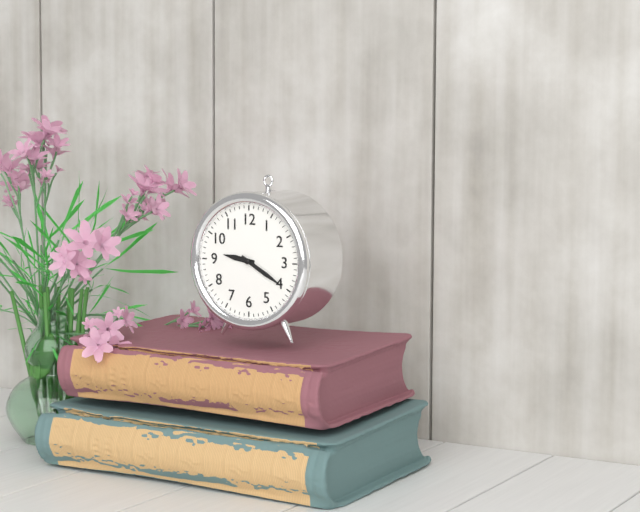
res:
h=9 m=20
